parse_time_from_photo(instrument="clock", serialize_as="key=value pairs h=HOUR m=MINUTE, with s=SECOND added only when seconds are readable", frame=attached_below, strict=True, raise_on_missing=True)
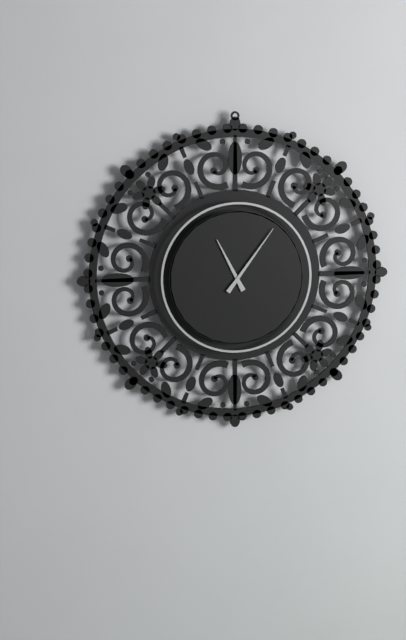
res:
h=11 m=6
